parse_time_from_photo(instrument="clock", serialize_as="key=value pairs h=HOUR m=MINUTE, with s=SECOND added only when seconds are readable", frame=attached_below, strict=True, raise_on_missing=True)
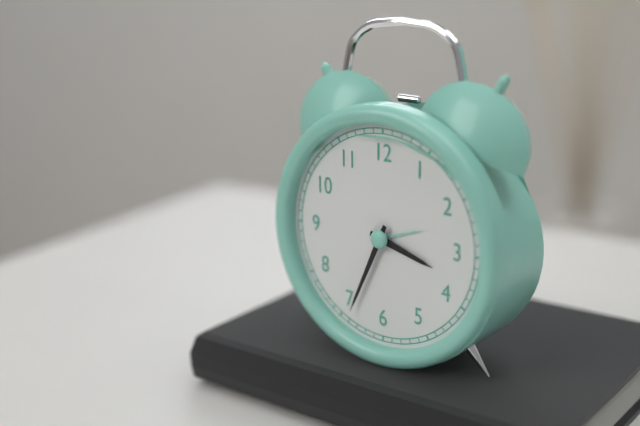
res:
h=3 m=34
